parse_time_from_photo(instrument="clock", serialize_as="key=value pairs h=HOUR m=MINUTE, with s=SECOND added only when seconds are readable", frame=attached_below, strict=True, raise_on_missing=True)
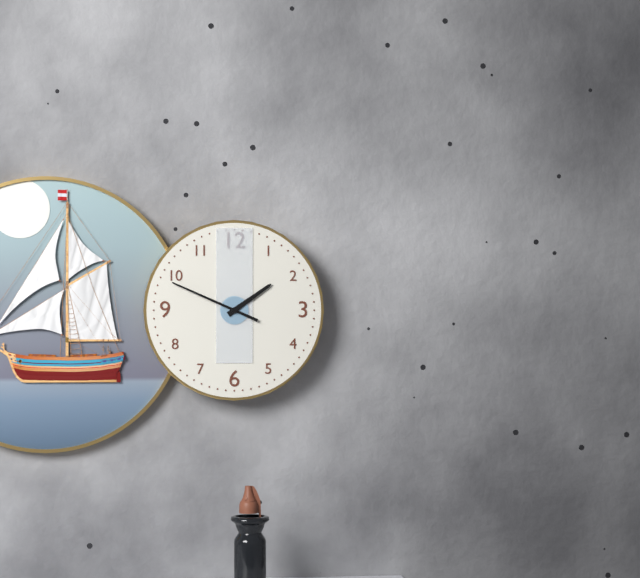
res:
h=1 m=49
